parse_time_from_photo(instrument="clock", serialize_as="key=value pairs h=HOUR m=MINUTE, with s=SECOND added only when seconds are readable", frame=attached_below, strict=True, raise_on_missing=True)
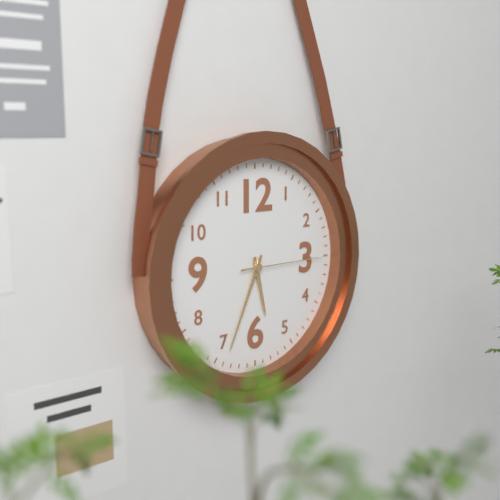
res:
h=5 m=34 s=15
